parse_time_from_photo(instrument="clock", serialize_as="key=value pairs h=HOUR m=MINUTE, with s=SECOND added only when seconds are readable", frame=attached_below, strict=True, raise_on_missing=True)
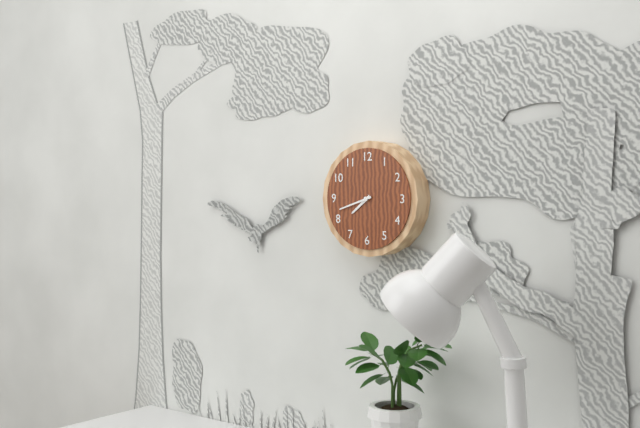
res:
h=7 m=42
